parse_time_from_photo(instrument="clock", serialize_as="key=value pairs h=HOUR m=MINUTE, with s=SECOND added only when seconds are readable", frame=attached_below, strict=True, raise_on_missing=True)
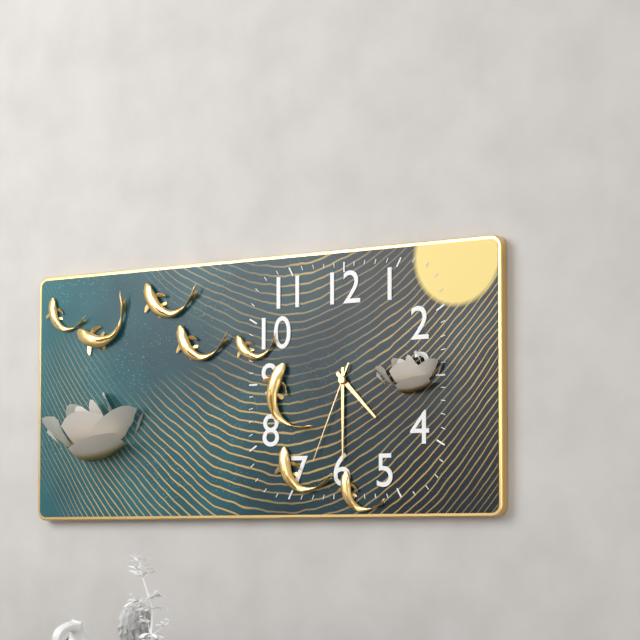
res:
h=4 m=30 s=34
